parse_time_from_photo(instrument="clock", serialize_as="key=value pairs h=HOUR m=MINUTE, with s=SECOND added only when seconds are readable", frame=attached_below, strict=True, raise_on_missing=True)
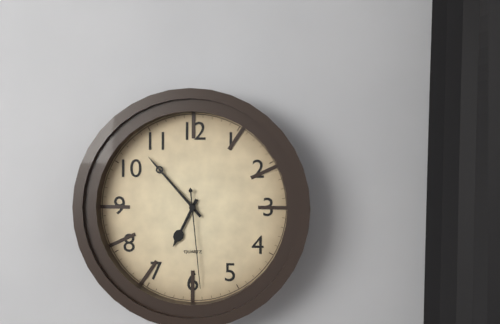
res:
h=6 m=53 s=29
